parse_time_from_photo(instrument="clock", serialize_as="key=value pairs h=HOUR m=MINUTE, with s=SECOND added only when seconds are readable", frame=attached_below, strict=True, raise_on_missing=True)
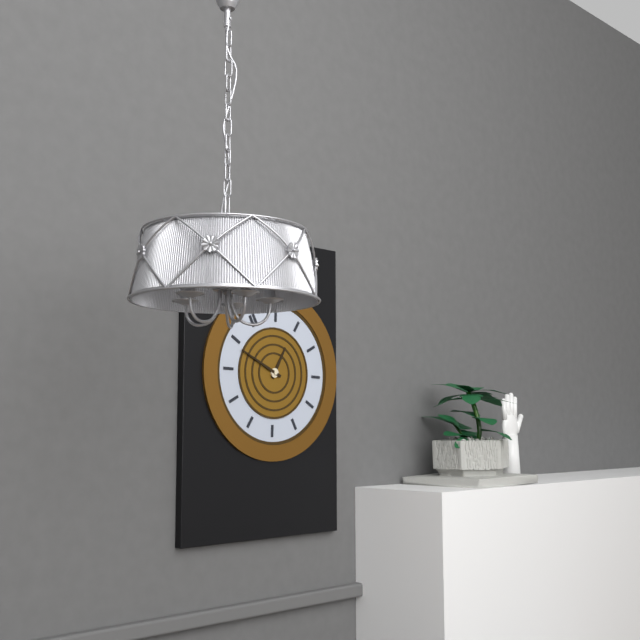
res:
h=1 m=54
